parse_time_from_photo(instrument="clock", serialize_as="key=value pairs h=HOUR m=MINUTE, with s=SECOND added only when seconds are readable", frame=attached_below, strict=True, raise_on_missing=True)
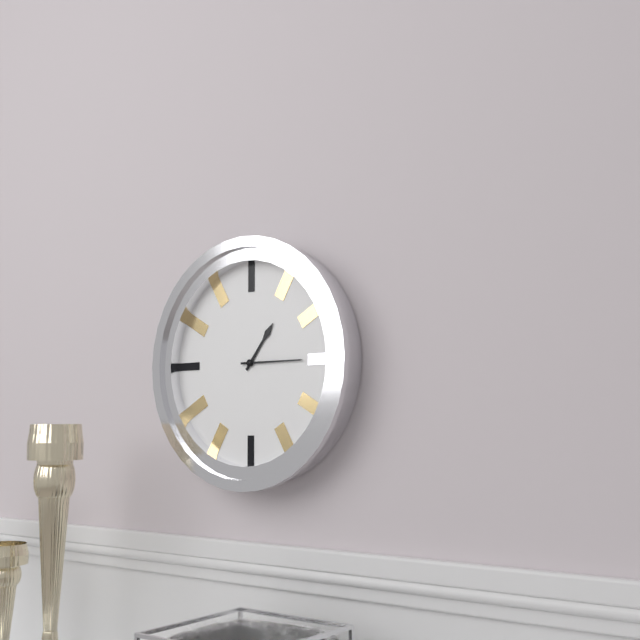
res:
h=1 m=15
